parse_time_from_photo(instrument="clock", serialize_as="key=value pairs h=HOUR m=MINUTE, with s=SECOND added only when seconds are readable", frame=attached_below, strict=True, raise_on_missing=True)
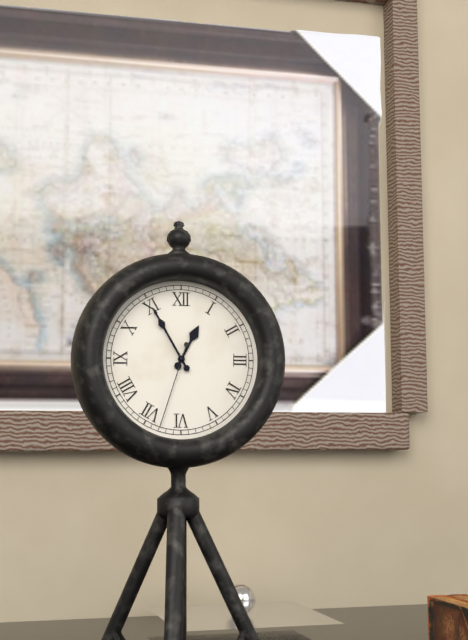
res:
h=12 m=55 s=33
